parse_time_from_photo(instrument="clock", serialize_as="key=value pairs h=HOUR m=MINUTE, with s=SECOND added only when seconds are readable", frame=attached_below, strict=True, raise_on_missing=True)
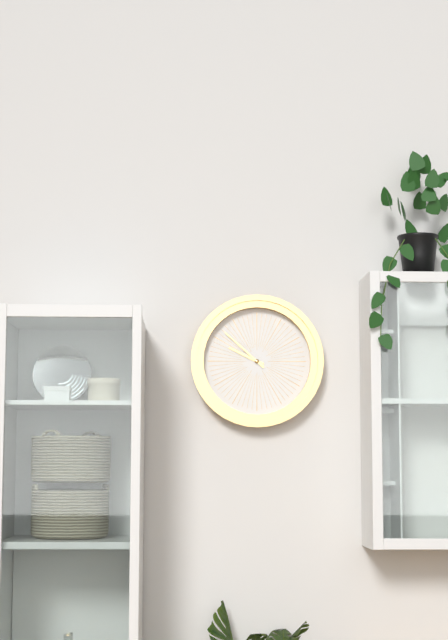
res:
h=9 m=52
